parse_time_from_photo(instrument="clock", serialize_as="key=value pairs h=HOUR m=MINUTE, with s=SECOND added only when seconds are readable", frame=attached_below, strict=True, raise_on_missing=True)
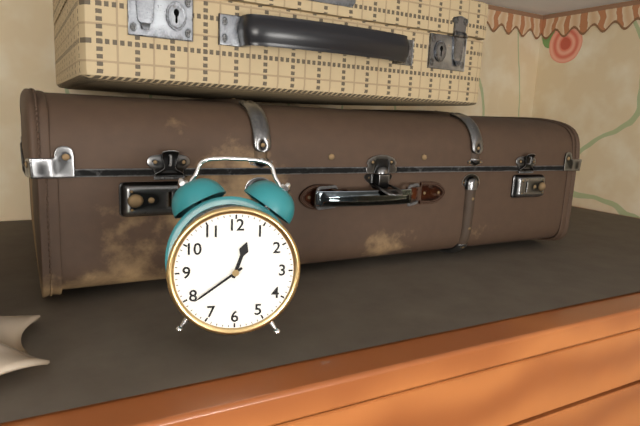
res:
h=12 m=39
